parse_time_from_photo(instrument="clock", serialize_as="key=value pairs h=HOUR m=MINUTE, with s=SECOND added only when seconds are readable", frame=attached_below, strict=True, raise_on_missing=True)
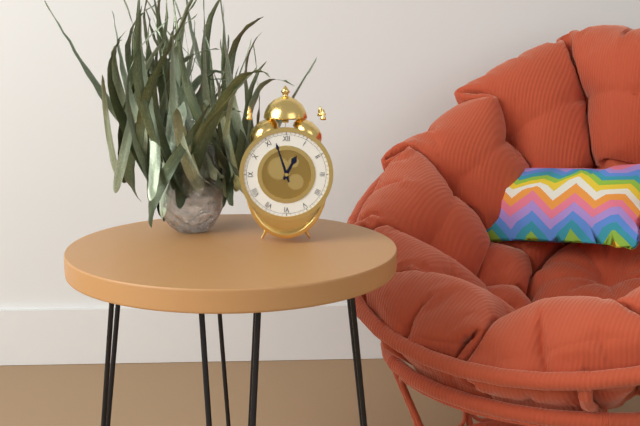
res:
h=12 m=57
